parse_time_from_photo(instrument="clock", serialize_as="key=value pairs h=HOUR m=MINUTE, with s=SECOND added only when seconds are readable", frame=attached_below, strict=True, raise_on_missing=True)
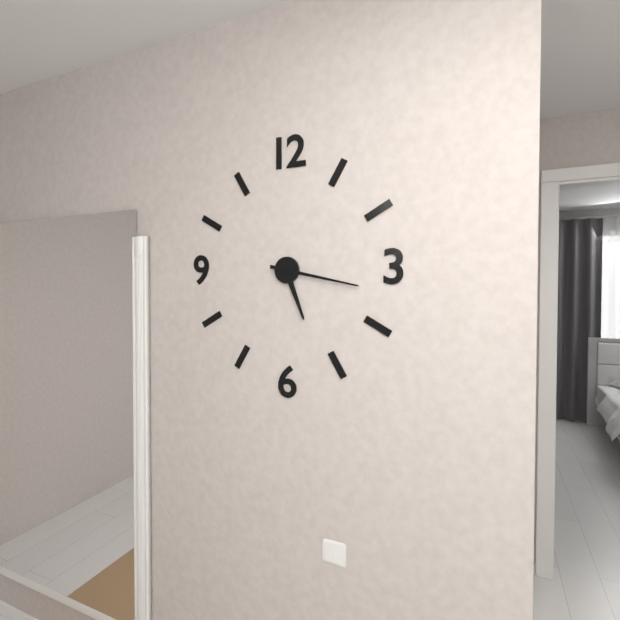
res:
h=5 m=17
